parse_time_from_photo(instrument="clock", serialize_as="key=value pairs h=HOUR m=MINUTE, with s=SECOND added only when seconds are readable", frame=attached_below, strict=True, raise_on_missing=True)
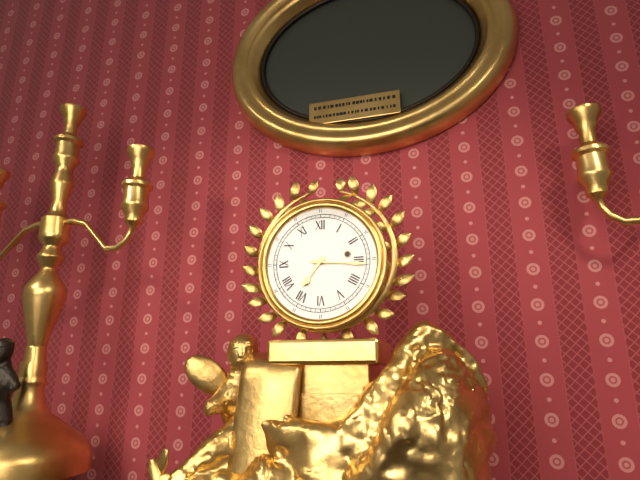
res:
h=7 m=16
